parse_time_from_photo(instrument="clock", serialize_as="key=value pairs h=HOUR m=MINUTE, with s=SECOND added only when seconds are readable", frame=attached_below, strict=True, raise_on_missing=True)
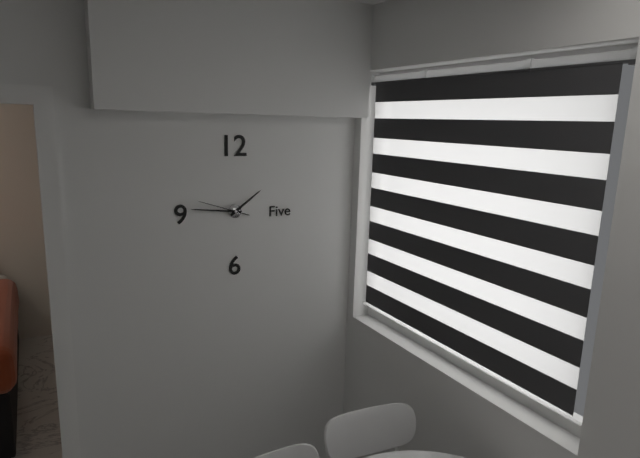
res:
h=1 m=46 s=48
